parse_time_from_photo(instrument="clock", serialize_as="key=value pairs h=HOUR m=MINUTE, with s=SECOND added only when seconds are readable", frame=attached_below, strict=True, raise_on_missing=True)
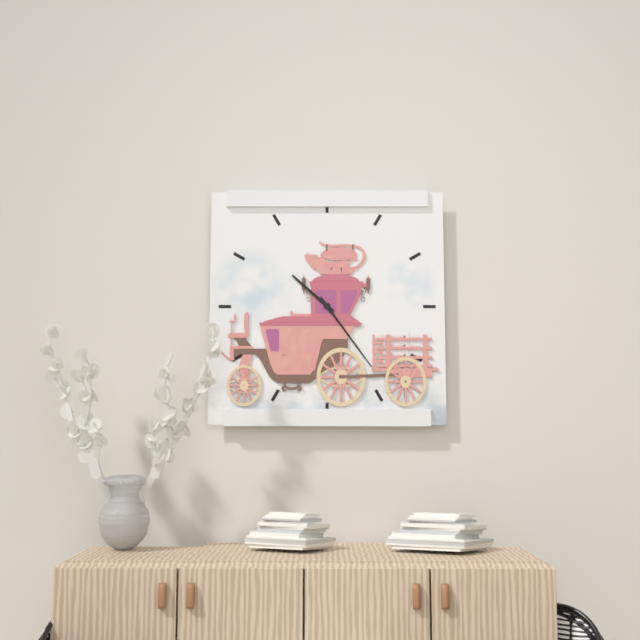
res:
h=10 m=24
